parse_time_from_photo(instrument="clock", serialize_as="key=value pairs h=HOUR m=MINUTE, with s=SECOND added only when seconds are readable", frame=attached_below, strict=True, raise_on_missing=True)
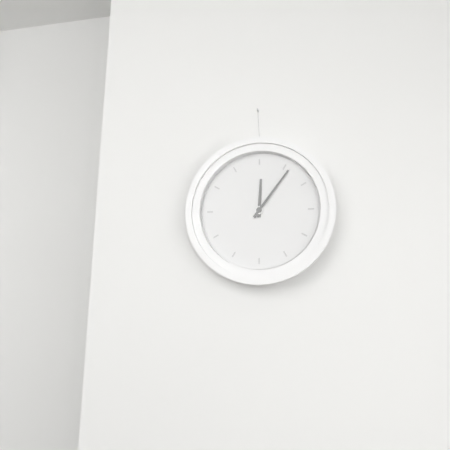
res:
h=12 m=6
